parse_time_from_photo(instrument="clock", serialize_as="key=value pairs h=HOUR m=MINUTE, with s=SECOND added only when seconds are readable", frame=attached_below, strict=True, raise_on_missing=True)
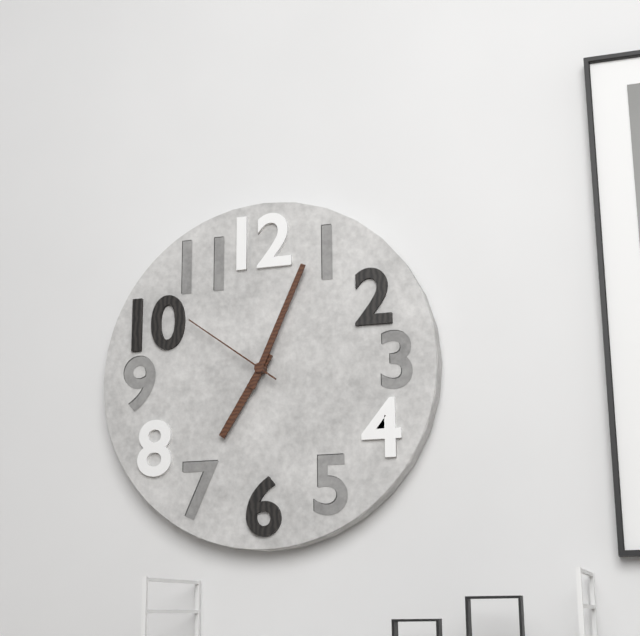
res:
h=7 m=4 s=51
